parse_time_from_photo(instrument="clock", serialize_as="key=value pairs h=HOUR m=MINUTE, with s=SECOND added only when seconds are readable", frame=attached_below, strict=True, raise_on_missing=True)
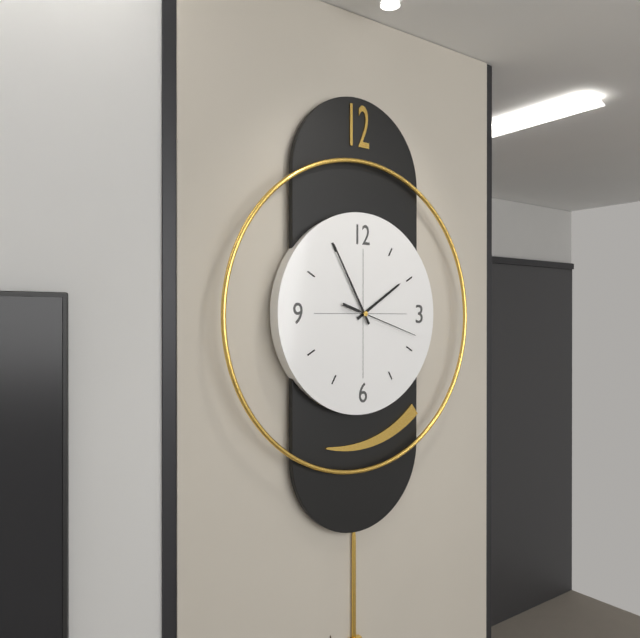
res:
h=1 m=55 s=18
